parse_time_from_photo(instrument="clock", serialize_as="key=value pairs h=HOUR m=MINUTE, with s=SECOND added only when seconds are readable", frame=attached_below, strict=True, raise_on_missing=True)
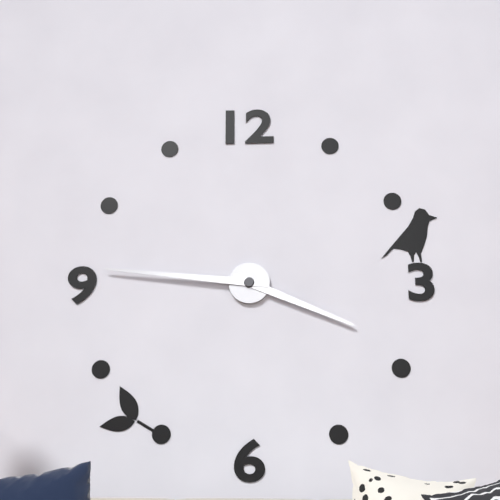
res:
h=3 m=46
